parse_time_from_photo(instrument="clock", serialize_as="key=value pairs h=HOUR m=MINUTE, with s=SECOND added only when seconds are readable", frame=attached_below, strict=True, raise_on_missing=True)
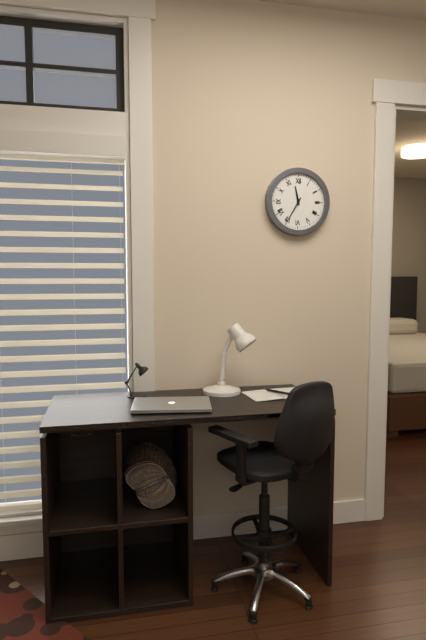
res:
h=11 m=35
